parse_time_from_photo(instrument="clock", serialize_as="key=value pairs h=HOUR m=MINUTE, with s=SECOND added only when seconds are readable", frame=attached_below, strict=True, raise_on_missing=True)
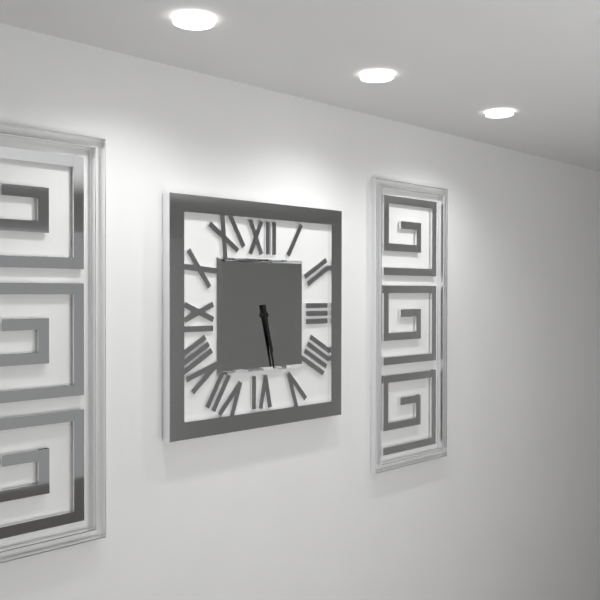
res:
h=5 m=28
